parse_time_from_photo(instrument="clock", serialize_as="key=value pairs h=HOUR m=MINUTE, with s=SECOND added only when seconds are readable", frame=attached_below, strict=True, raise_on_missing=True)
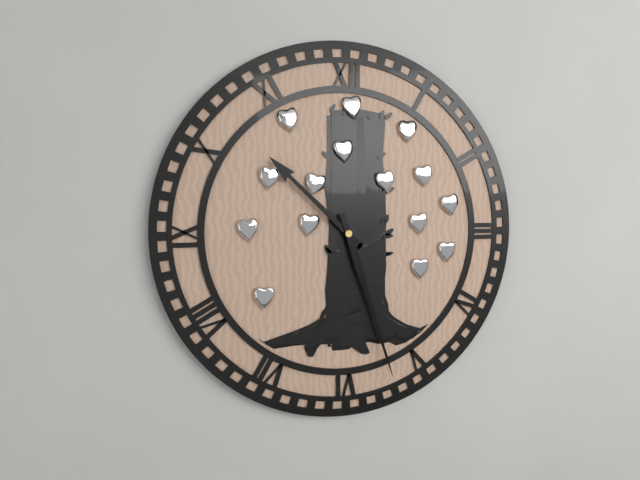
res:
h=10 m=27
